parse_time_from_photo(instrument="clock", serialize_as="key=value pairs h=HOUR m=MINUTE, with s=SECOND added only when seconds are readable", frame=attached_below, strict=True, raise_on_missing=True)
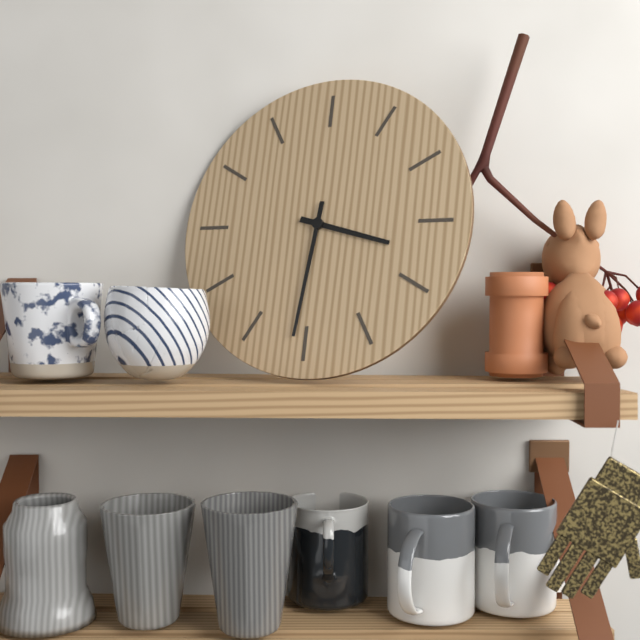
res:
h=3 m=31
